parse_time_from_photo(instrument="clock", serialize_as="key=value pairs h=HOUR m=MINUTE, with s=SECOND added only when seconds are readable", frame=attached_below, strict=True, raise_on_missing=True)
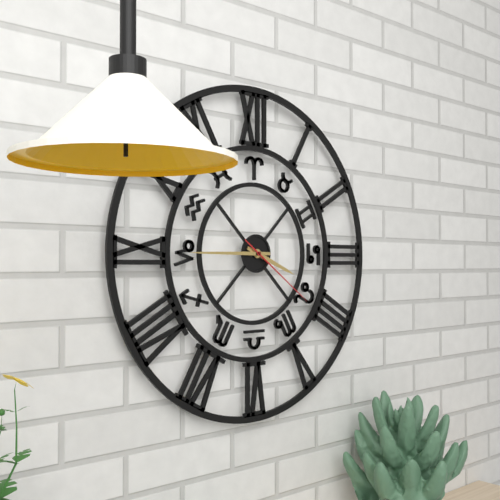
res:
h=3 m=45 s=21
